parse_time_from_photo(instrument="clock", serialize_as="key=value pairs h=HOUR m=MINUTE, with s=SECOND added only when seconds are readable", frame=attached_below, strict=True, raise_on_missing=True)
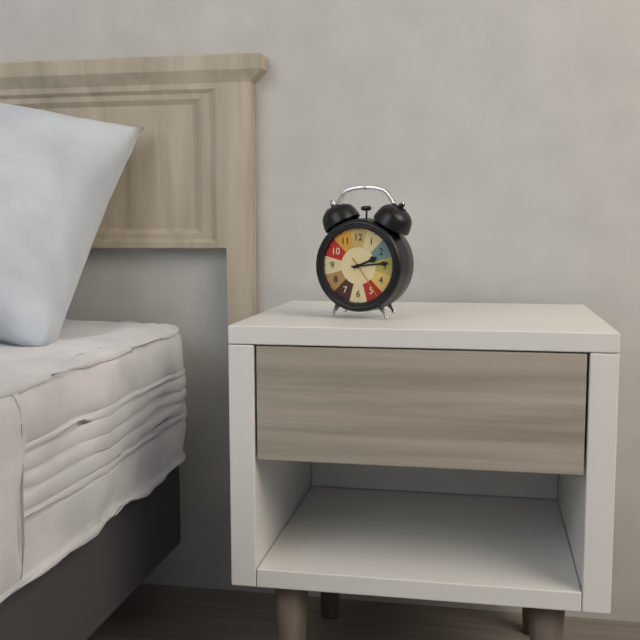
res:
h=2 m=14
